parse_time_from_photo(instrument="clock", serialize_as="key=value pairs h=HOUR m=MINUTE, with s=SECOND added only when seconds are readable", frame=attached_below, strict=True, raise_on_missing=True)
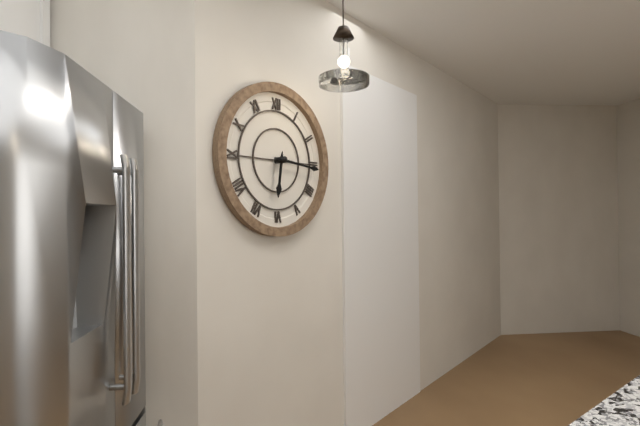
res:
h=6 m=16
